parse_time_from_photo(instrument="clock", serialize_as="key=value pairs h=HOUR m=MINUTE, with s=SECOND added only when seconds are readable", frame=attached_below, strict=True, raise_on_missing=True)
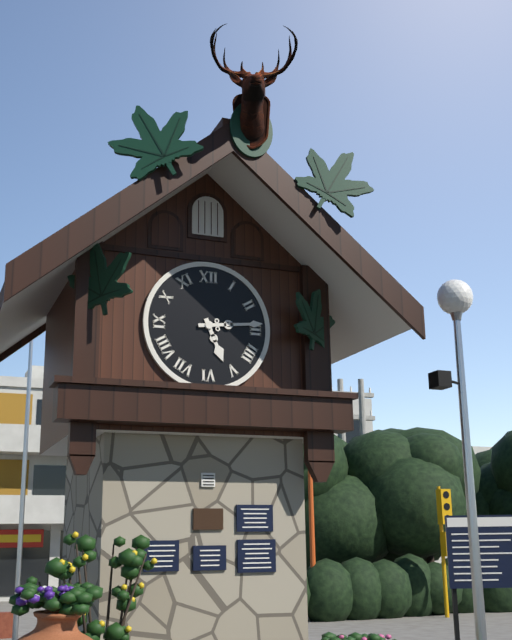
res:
h=5 m=14
